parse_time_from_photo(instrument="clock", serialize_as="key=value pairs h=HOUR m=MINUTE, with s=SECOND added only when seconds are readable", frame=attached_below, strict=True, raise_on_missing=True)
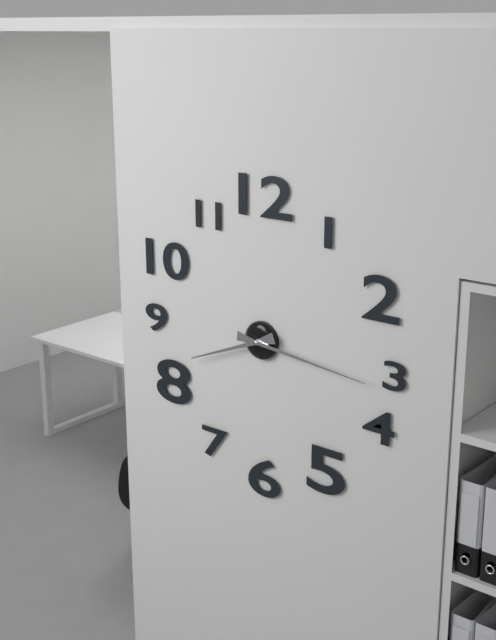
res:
h=8 m=16
